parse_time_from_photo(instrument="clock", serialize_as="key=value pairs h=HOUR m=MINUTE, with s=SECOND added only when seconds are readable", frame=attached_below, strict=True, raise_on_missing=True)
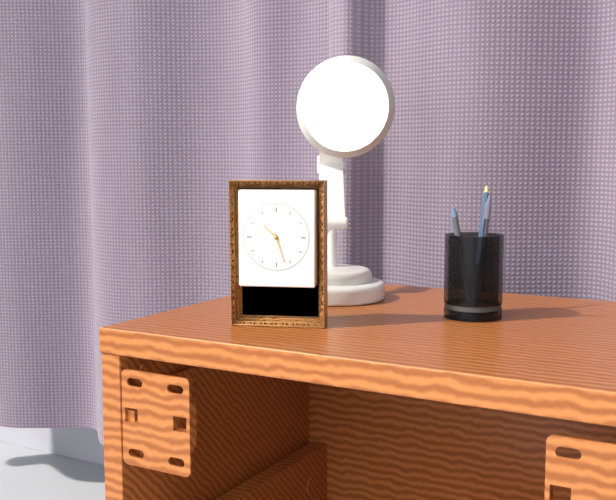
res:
h=10 m=27
